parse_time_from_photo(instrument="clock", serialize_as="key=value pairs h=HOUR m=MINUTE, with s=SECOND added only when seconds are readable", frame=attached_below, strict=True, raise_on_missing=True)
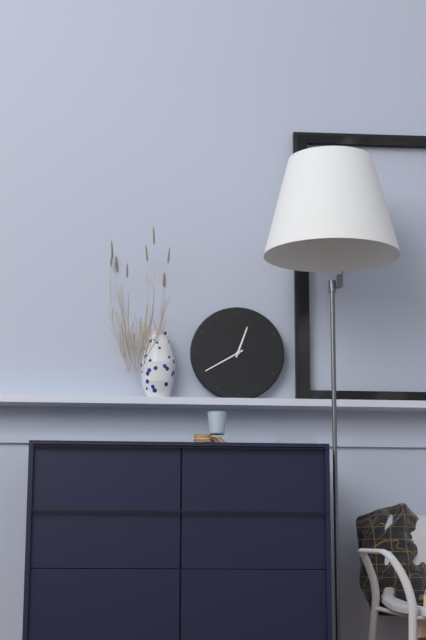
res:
h=12 m=40
